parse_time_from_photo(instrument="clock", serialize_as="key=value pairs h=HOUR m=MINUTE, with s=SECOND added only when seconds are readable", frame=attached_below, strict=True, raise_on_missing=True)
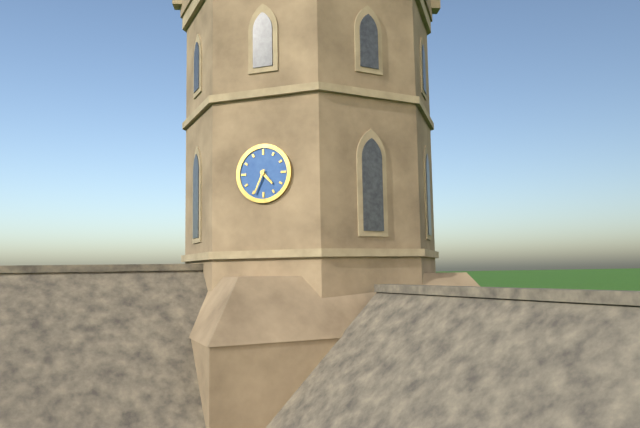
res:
h=4 m=34
